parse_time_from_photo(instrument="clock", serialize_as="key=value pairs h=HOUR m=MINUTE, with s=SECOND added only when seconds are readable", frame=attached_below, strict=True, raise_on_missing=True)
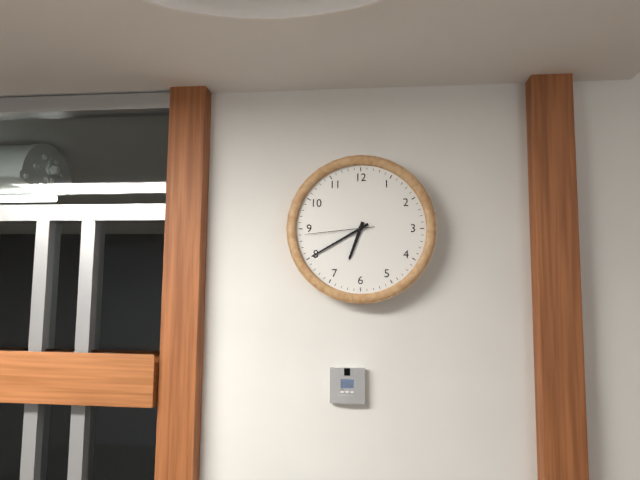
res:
h=6 m=40 s=44
